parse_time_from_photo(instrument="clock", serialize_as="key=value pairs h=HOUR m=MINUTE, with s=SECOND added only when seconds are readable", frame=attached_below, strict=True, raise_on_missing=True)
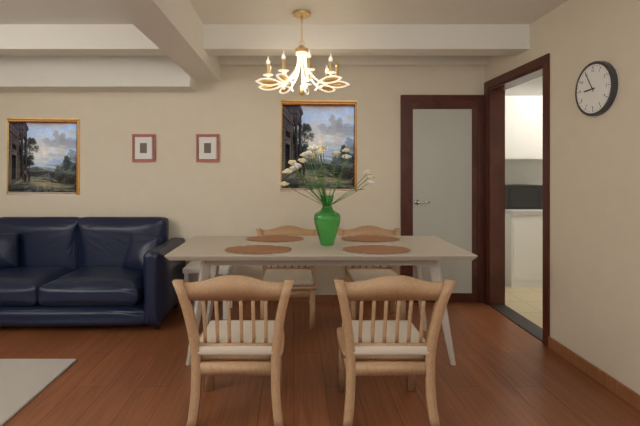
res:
h=8 m=55
